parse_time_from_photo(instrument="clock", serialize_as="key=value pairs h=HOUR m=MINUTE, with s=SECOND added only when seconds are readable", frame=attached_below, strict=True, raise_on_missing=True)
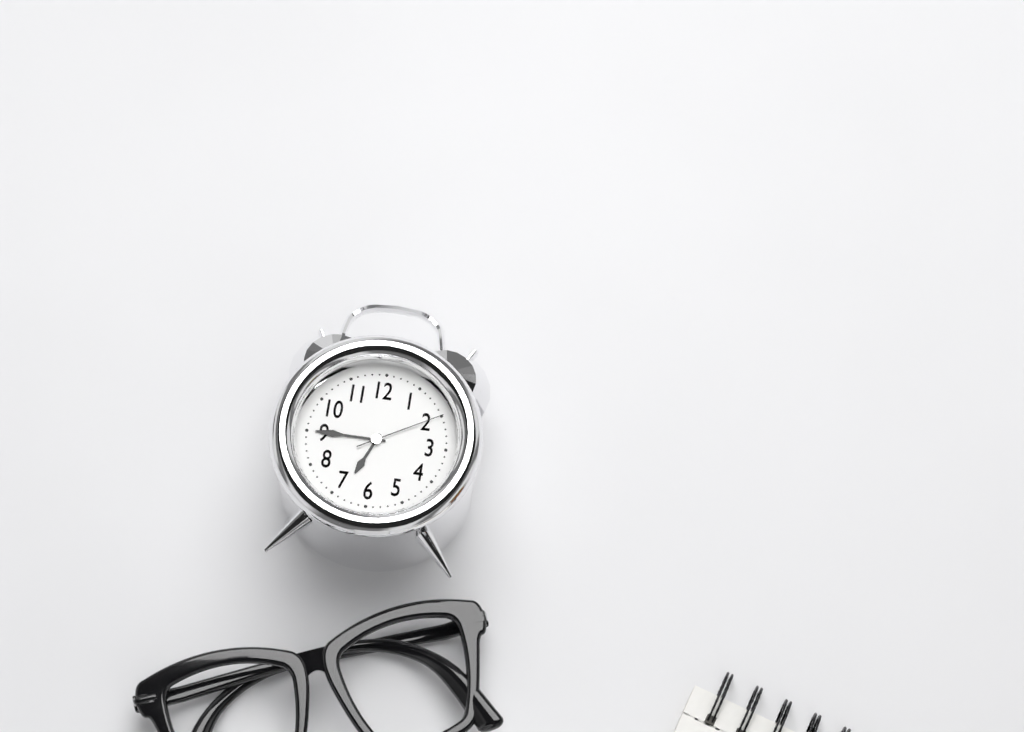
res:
h=6 m=45 s=10
